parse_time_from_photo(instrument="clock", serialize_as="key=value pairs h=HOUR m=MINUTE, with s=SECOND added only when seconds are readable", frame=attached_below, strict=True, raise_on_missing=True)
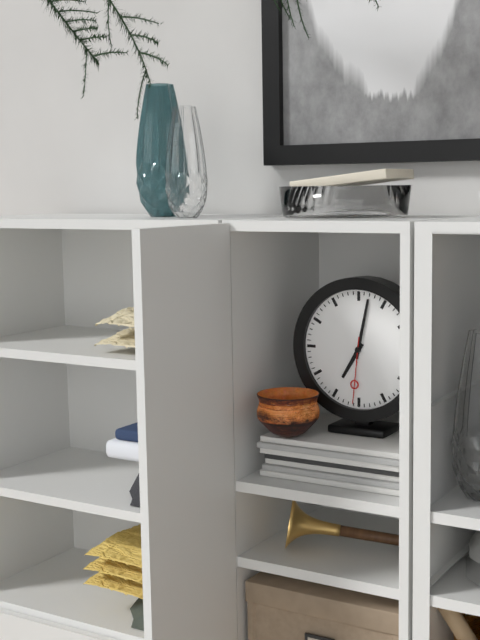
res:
h=7 m=2 s=31
